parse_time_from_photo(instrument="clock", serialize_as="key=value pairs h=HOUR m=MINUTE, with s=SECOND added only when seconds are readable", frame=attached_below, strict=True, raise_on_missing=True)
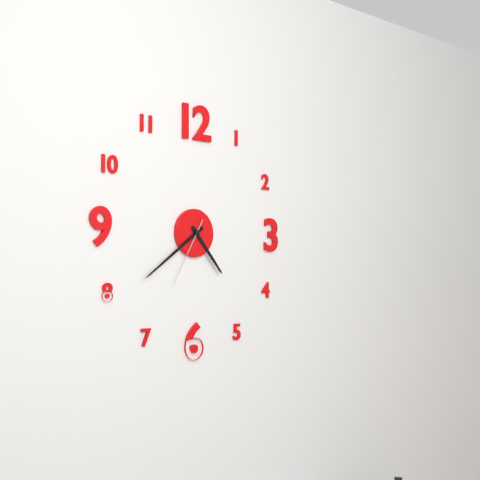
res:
h=4 m=39 s=35
